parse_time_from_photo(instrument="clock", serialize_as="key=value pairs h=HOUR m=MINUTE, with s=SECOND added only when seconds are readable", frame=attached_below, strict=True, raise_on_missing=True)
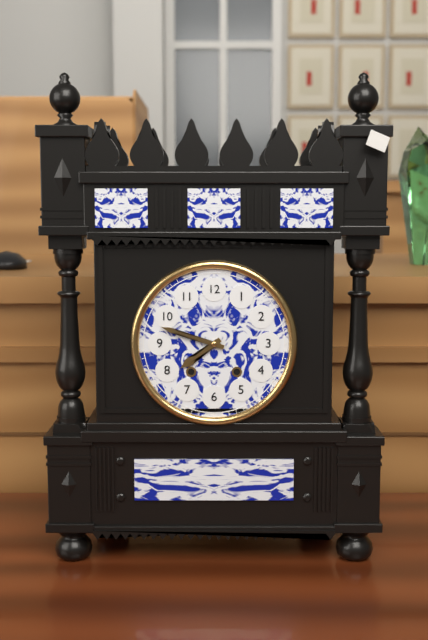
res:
h=7 m=48
